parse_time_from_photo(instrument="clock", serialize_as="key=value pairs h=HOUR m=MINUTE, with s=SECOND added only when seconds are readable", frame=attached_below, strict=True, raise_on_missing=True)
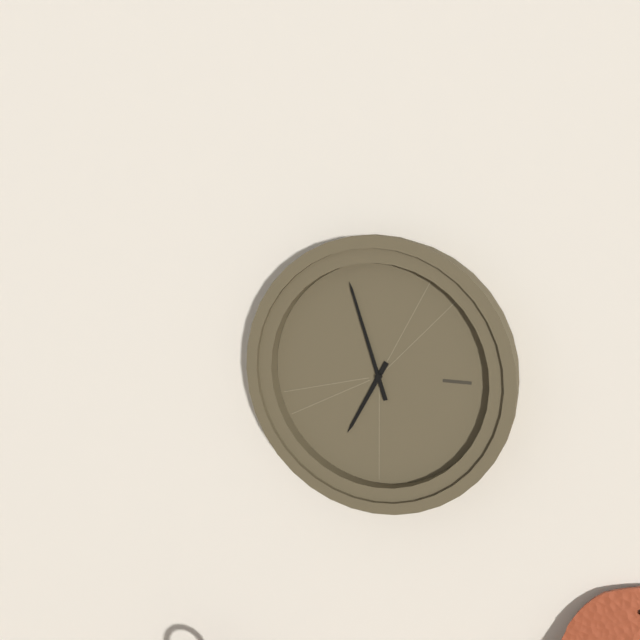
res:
h=6 m=57
